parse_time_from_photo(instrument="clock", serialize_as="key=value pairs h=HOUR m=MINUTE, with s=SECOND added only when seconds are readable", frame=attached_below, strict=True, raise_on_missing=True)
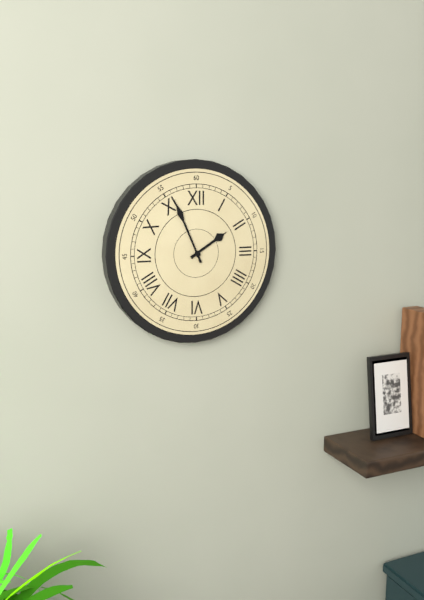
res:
h=1 m=56
